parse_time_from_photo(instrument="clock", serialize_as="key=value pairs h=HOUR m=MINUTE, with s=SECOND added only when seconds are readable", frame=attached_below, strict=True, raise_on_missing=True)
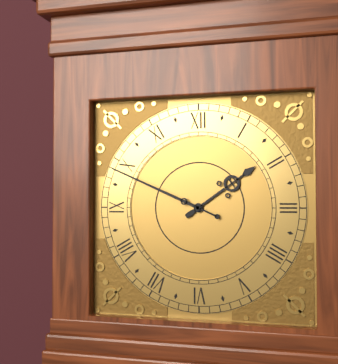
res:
h=1 m=49
